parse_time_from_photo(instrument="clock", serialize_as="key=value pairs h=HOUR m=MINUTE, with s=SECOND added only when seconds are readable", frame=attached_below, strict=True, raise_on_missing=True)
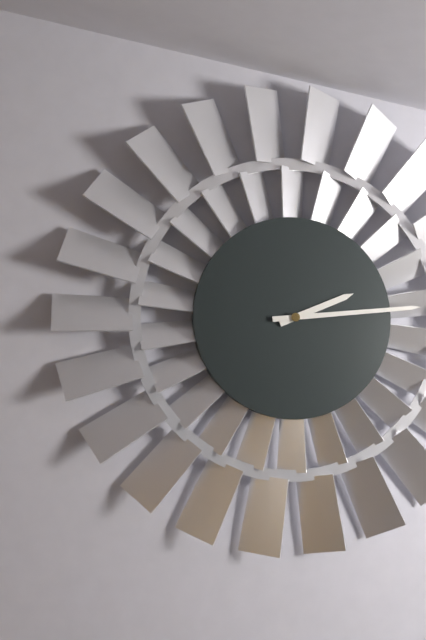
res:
h=2 m=14
